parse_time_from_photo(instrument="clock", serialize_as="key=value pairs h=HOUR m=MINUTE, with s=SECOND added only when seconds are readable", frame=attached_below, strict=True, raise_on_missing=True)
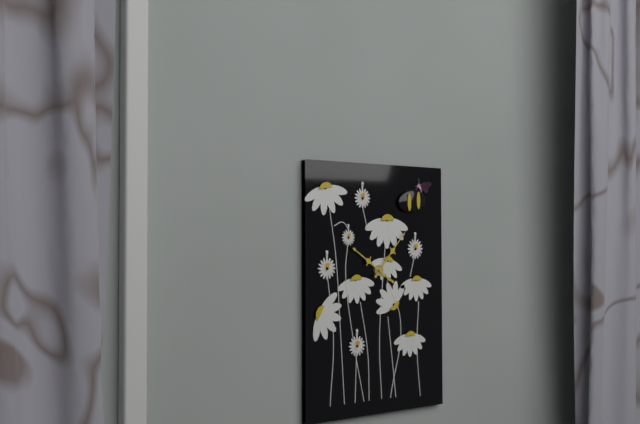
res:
h=10 m=7
